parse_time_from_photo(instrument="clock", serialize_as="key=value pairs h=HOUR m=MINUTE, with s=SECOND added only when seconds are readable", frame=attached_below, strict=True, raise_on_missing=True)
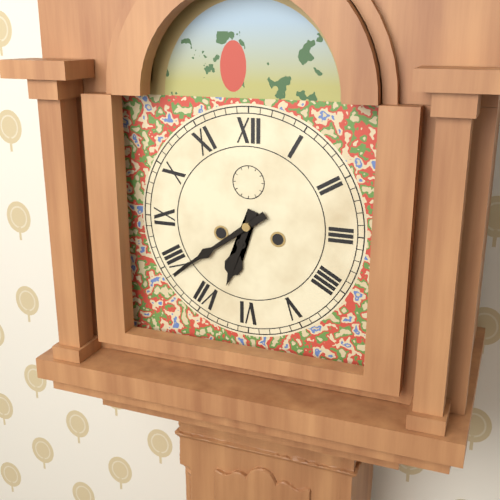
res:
h=6 m=39
